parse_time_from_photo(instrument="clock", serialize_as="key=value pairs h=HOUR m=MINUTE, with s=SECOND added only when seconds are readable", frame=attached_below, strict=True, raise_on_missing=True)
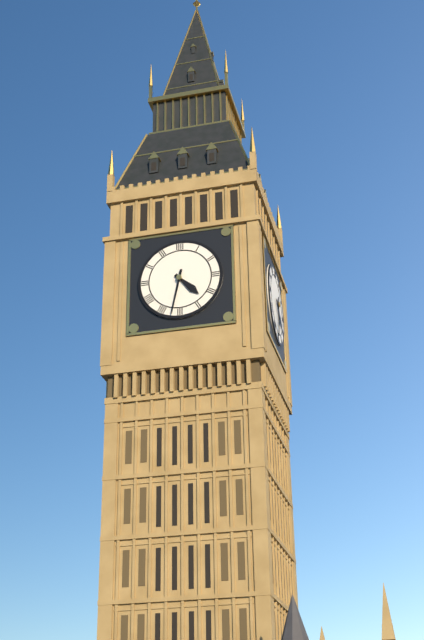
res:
h=4 m=32
